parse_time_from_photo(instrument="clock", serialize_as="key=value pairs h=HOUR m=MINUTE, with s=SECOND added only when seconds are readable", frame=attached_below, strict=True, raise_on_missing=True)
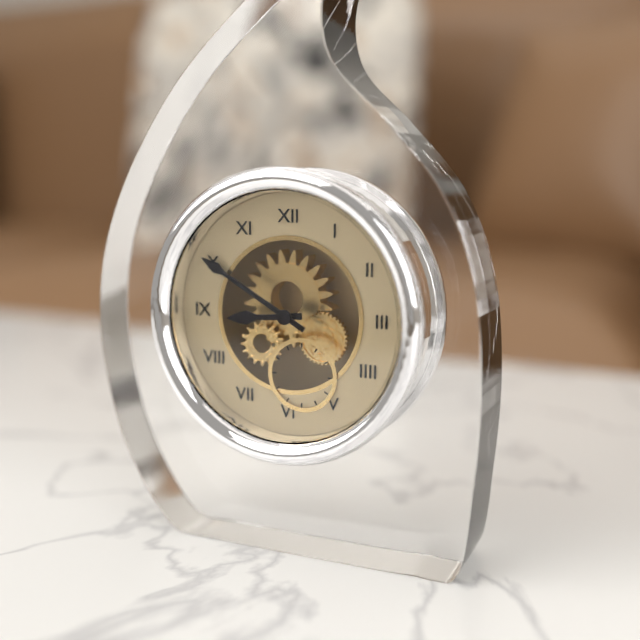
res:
h=8 m=50
